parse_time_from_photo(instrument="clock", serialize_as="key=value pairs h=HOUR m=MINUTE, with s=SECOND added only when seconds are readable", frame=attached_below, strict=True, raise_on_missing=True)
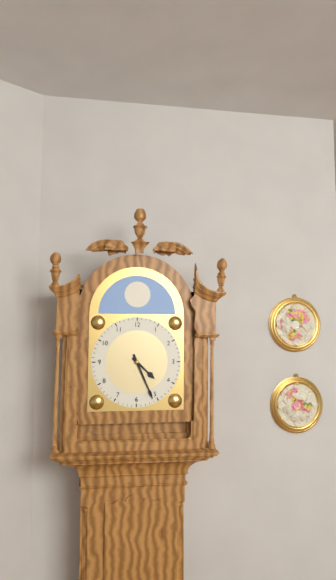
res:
h=4 m=26
